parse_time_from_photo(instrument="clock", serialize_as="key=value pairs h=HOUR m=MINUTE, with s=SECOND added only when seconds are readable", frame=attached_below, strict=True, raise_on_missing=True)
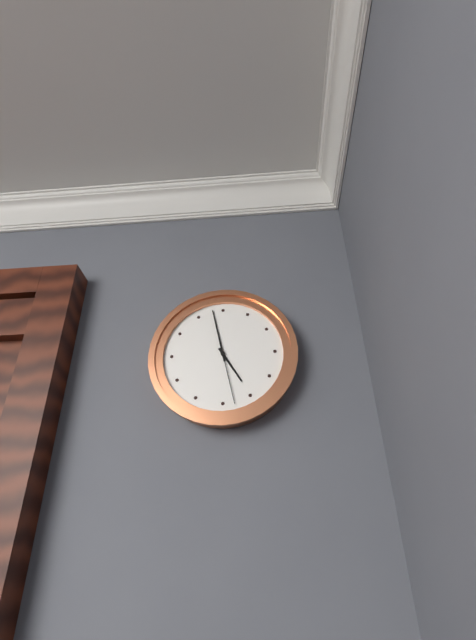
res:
h=4 m=58 s=28
